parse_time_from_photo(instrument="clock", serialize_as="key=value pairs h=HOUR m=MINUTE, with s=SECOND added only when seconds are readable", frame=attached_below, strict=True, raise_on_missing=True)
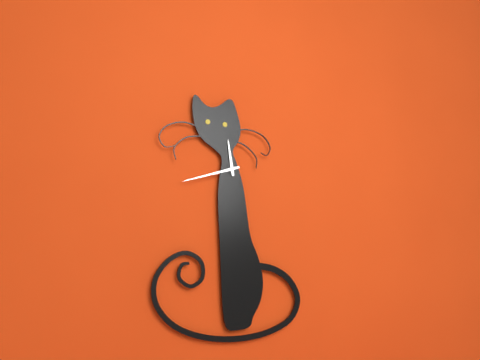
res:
h=11 m=42
